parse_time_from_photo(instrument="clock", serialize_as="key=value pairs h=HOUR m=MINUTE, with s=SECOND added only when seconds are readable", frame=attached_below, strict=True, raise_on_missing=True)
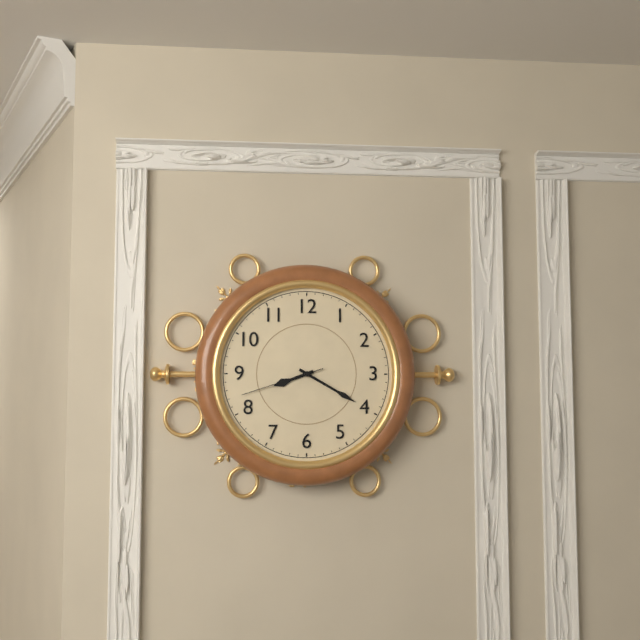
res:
h=8 m=20 s=42
